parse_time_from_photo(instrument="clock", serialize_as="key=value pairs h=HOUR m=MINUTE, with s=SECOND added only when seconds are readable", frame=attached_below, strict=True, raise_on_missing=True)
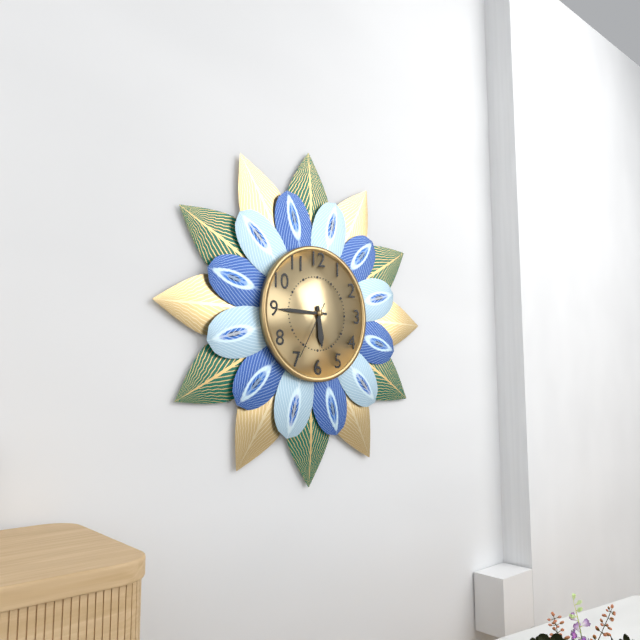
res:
h=5 m=45 s=35
